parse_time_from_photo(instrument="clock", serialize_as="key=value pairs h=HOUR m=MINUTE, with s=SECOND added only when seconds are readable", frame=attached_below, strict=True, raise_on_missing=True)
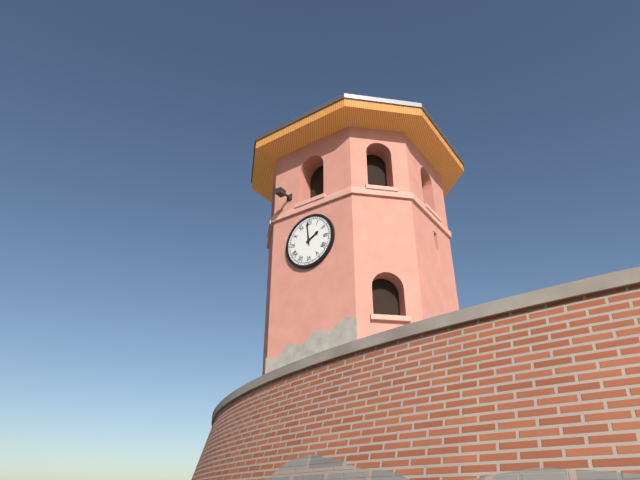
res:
h=1 m=59
